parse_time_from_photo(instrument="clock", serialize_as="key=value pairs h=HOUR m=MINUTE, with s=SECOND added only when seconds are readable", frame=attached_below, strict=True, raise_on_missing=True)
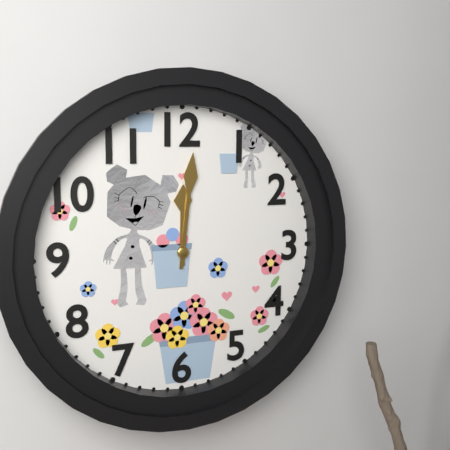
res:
h=12 m=1
